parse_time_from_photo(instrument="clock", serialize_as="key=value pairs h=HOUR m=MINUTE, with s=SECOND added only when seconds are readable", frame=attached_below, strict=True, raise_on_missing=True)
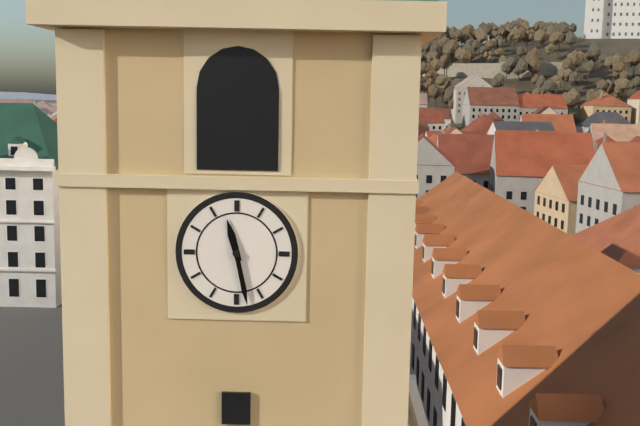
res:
h=11 m=28
